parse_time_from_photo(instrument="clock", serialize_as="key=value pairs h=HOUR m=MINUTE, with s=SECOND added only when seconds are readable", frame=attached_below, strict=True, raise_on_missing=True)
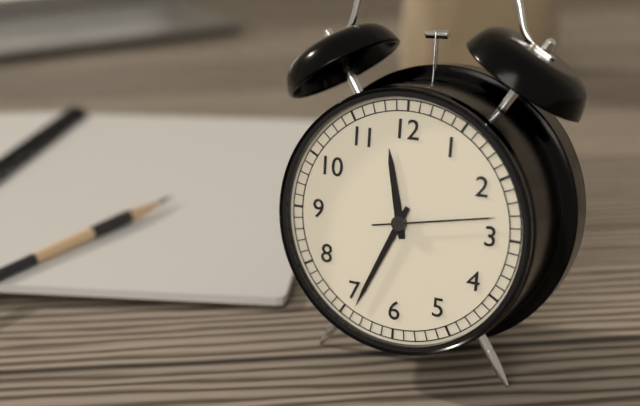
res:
h=11 m=34 s=13
